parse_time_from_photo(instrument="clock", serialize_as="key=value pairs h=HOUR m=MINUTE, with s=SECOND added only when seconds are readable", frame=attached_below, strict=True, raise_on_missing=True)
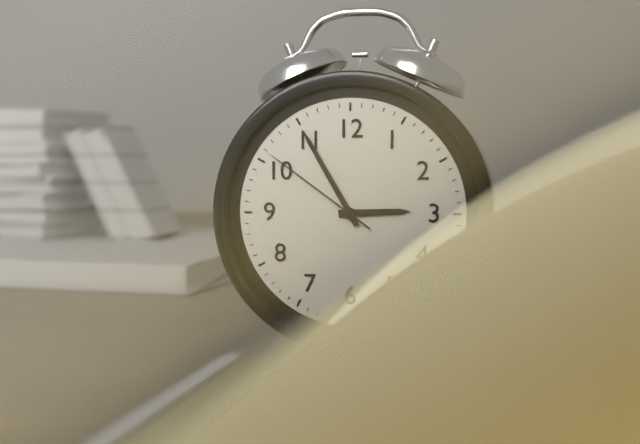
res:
h=2 m=55 s=51
